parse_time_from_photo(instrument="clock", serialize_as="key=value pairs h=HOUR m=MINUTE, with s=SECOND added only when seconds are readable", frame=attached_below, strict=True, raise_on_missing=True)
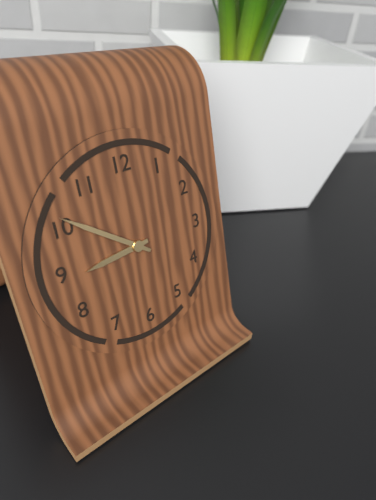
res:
h=8 m=51
